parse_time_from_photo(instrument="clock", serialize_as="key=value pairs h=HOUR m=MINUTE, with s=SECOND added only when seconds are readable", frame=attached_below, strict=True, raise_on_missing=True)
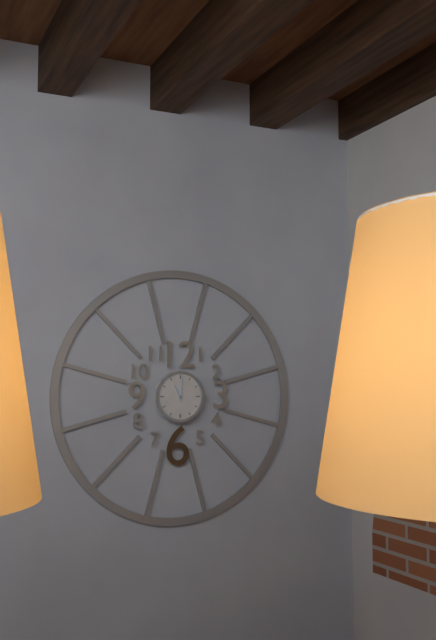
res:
h=11 m=1
